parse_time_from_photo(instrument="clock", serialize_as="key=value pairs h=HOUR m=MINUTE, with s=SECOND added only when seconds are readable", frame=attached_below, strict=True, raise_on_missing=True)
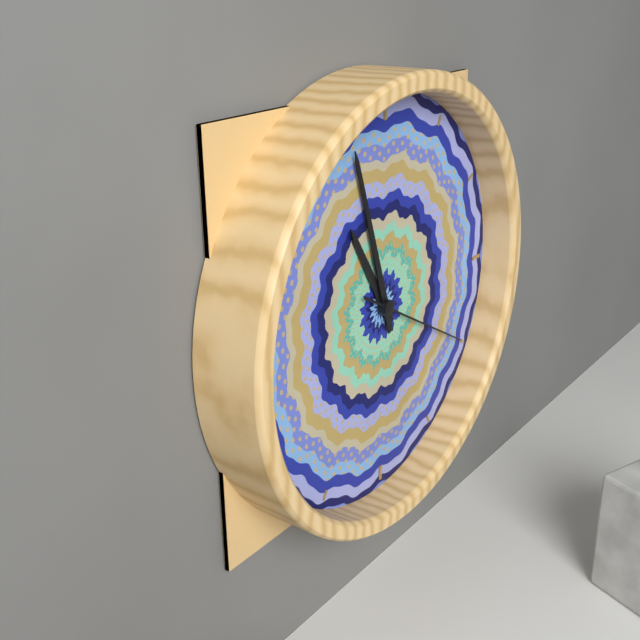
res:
h=10 m=57 s=20
